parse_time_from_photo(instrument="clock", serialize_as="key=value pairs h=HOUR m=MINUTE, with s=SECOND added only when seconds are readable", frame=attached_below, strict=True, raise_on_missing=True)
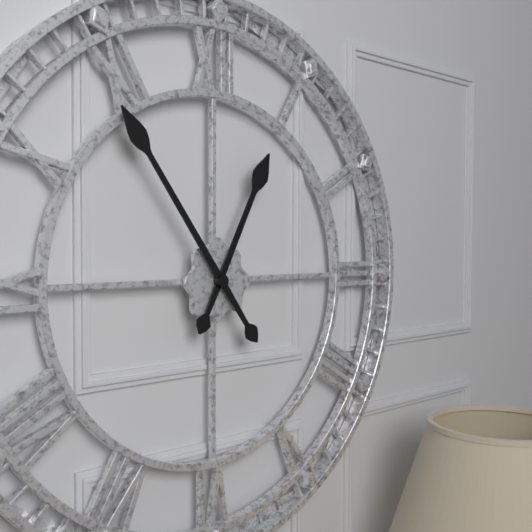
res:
h=12 m=54
